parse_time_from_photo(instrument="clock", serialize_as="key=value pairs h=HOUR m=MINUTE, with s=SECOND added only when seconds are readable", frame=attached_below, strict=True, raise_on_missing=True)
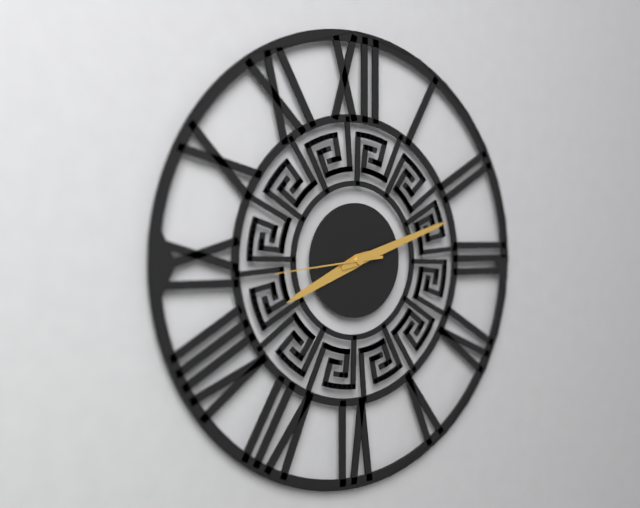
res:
h=8 m=12 s=44
